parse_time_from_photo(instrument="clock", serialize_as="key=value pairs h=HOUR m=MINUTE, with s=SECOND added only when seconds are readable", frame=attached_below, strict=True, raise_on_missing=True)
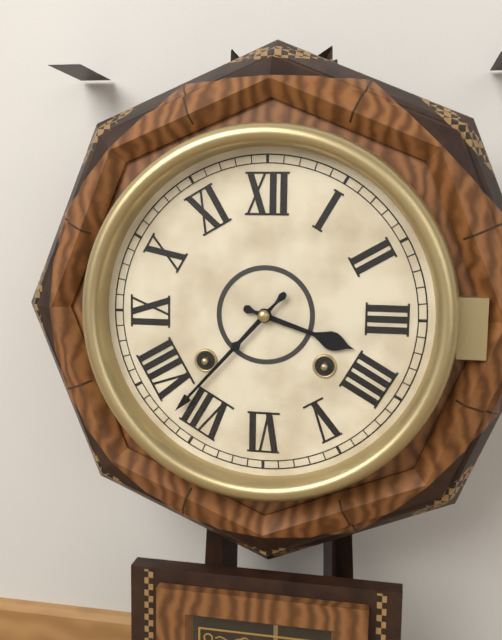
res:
h=3 m=37
